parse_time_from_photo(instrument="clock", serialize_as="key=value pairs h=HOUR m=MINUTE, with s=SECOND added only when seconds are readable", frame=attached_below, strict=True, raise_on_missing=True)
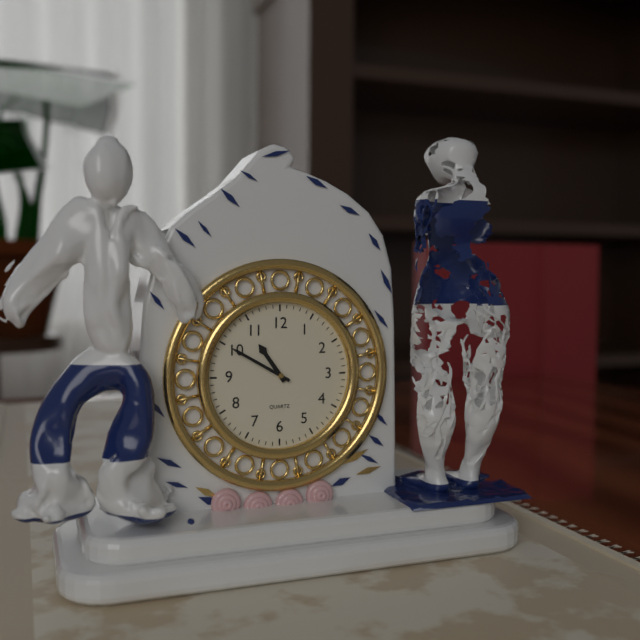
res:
h=10 m=50
